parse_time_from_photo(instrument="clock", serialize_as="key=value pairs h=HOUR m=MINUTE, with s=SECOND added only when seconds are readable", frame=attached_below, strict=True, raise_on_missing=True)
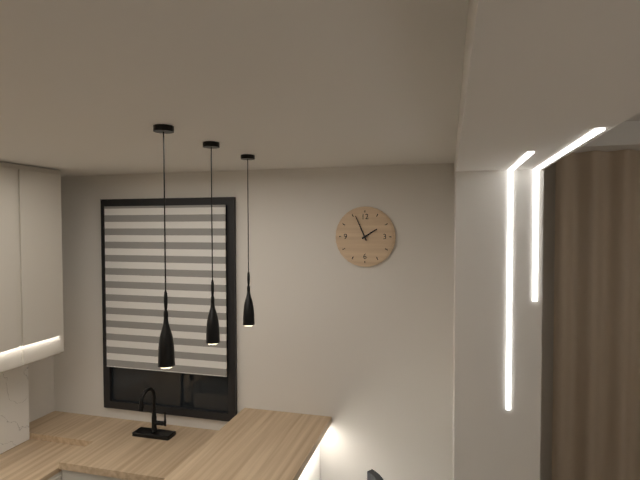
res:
h=1 m=56
